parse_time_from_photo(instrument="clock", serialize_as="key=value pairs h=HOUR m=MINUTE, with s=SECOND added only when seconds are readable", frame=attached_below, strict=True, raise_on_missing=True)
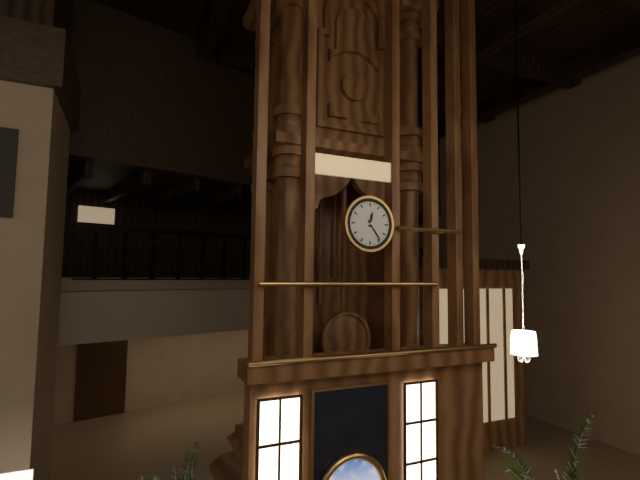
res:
h=12 m=24
